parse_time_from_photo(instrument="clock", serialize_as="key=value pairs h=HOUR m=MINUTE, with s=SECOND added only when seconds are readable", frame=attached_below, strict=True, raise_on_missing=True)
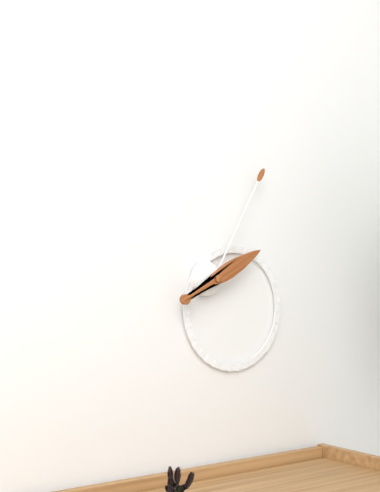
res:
h=2 m=5
